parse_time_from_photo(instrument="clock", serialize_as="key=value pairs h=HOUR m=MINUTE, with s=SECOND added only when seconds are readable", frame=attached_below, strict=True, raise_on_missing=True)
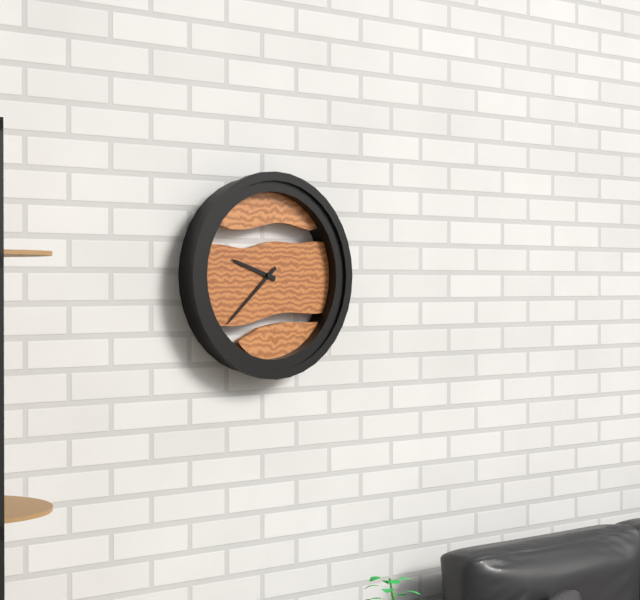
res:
h=9 m=38
